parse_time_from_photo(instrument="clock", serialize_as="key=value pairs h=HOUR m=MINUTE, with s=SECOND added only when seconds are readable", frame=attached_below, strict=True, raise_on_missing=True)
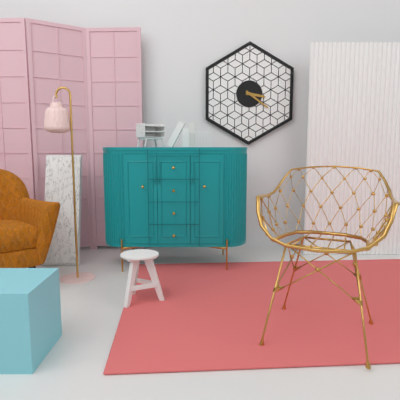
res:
h=3 m=21
